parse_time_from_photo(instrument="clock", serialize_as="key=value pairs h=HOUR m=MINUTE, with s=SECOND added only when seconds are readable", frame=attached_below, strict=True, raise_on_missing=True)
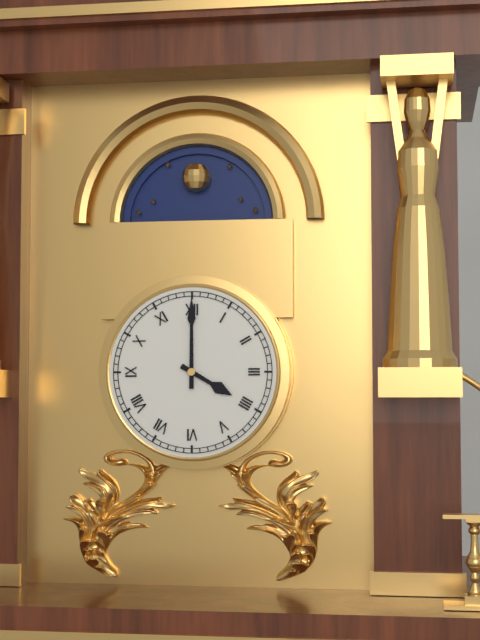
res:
h=4 m=0
